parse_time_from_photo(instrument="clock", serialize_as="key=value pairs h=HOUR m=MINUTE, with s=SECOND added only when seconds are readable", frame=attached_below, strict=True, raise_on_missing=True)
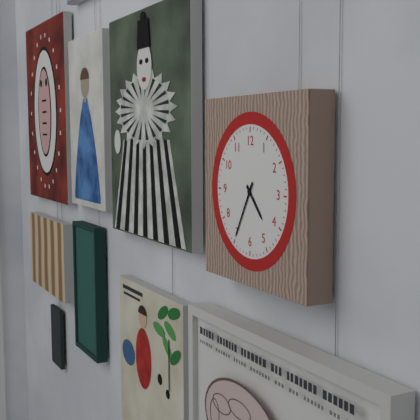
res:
h=4 m=35
